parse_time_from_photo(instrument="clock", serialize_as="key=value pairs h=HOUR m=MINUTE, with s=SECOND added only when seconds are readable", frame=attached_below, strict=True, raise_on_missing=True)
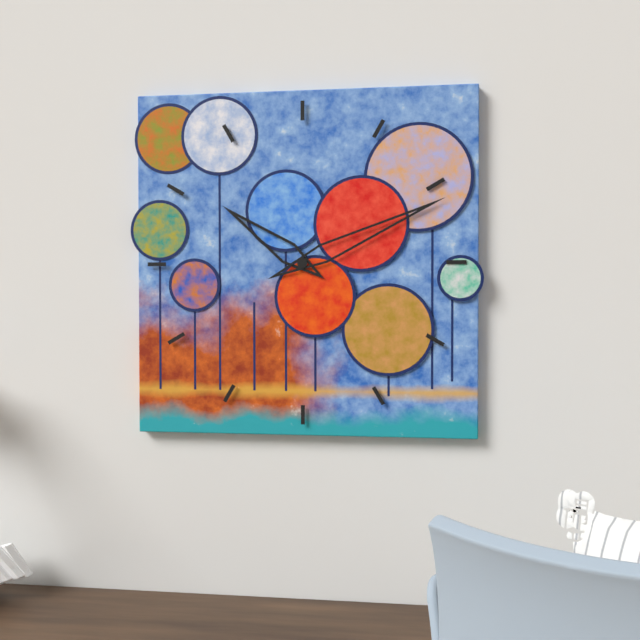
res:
h=10 m=11
